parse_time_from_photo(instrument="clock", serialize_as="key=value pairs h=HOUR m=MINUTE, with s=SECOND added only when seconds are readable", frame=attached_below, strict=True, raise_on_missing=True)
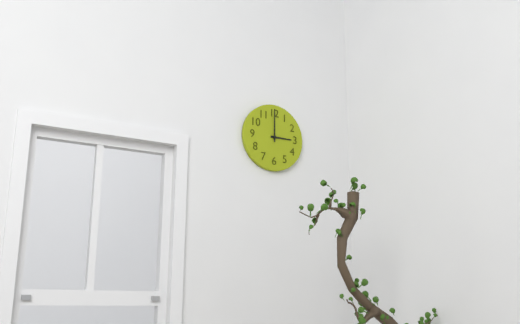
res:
h=3 m=0
